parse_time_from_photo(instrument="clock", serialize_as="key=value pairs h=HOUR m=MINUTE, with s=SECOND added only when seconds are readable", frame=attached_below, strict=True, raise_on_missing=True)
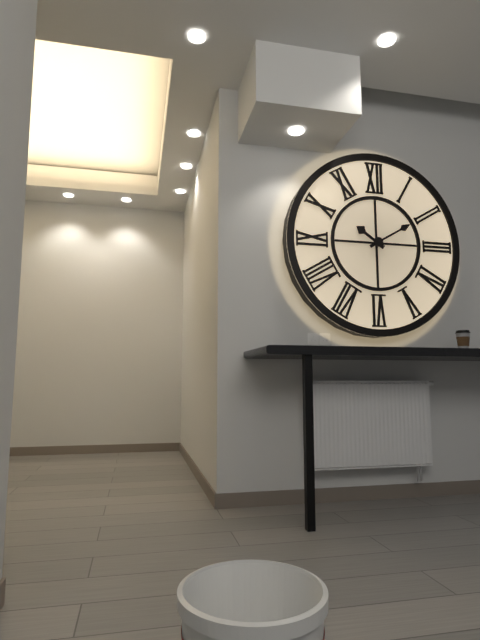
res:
h=10 m=10
